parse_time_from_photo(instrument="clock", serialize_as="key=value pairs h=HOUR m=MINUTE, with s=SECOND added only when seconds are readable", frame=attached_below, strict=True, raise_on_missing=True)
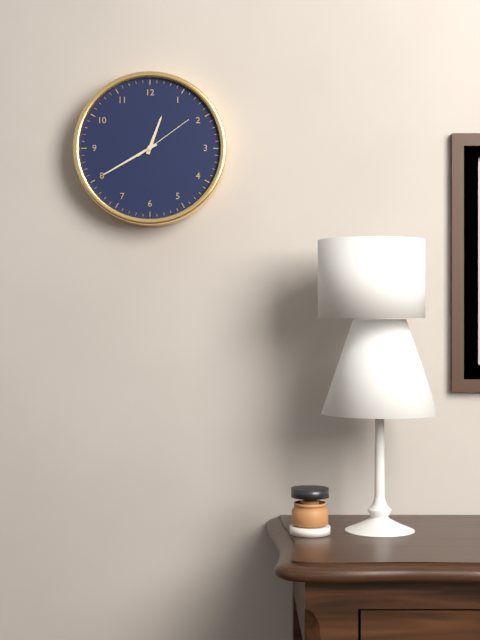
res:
h=12 m=40 s=9
